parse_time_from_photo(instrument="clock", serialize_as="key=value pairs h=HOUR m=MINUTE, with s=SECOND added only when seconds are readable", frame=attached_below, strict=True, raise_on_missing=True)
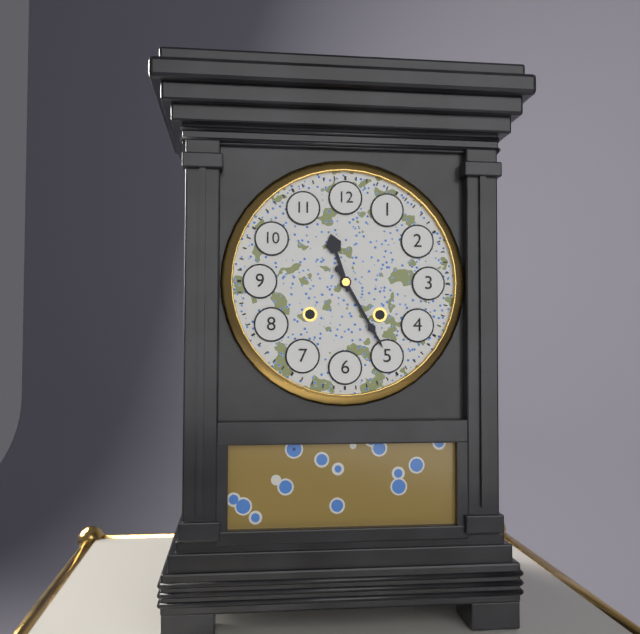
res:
h=11 m=25
